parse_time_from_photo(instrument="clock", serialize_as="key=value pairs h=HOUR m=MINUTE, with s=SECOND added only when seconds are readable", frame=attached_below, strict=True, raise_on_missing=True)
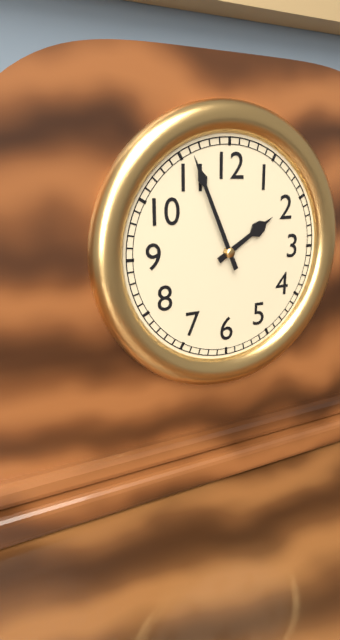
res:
h=1 m=56
